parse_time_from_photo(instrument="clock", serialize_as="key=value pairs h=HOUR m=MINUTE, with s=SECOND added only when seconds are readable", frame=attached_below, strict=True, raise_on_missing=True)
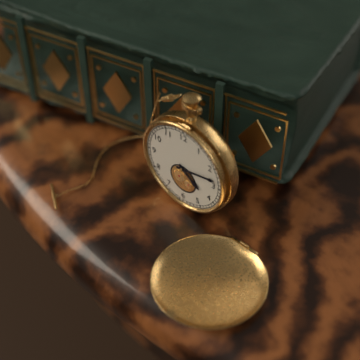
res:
h=4 m=13
